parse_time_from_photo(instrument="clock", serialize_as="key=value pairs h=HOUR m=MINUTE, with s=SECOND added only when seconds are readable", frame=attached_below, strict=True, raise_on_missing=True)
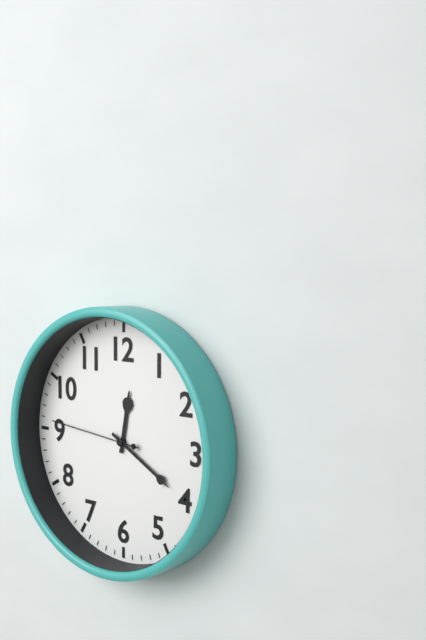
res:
h=12 m=20 s=46
